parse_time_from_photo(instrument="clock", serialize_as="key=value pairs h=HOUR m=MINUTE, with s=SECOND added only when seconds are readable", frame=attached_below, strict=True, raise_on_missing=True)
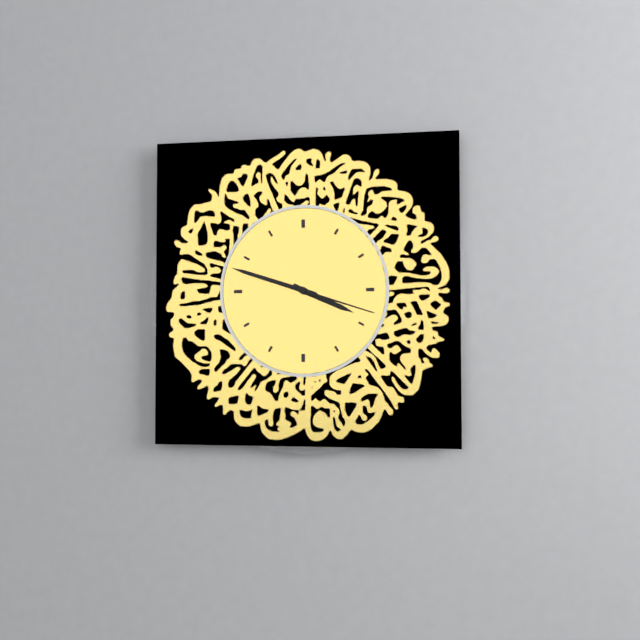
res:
h=3 m=48 s=18
